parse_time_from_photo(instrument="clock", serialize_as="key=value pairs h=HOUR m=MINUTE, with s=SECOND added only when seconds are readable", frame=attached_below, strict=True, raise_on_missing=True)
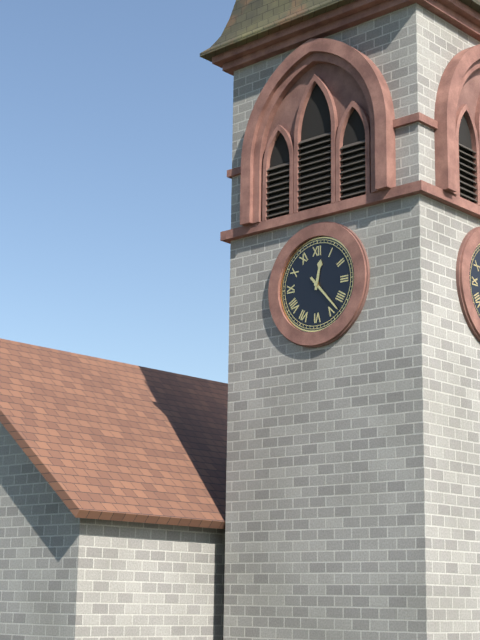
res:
h=12 m=23
